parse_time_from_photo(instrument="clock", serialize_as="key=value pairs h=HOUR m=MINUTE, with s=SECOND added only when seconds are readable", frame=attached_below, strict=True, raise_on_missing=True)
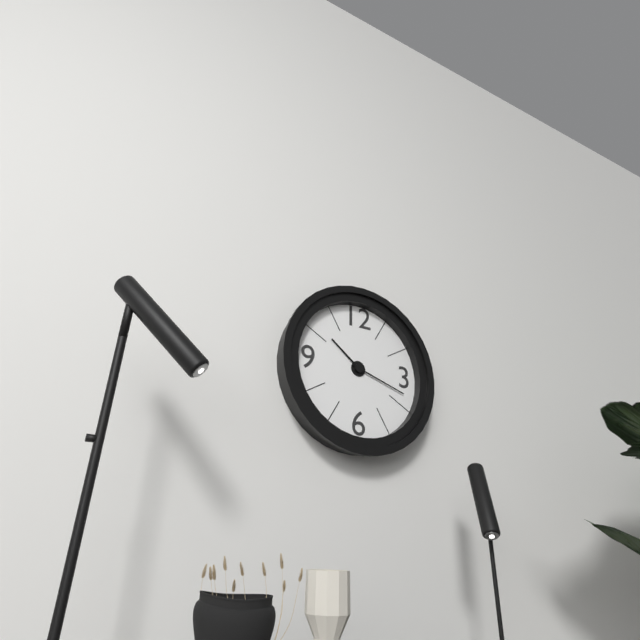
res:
h=10 m=18
